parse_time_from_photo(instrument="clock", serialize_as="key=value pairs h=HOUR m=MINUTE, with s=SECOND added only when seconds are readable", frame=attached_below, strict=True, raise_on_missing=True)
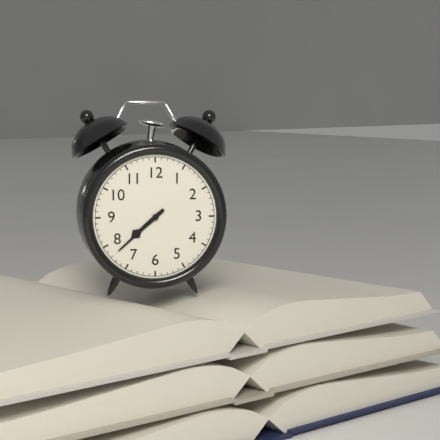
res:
h=7 m=38
